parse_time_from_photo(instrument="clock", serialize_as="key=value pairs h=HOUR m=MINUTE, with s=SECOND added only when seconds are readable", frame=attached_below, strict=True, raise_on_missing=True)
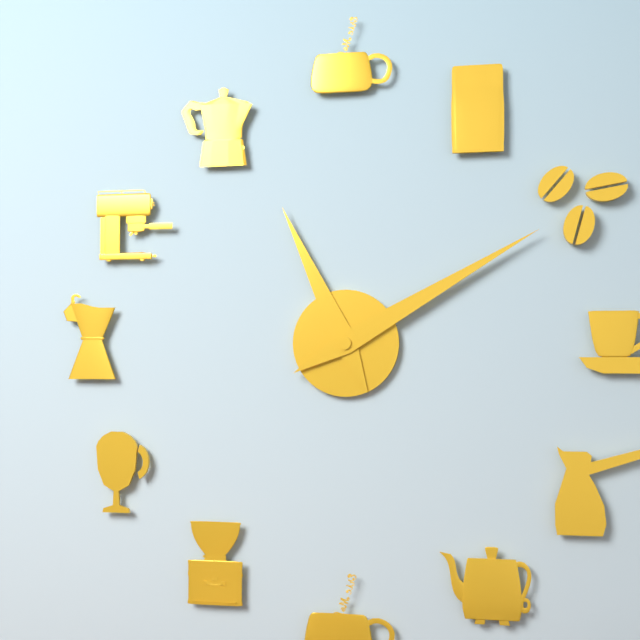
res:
h=11 m=10
